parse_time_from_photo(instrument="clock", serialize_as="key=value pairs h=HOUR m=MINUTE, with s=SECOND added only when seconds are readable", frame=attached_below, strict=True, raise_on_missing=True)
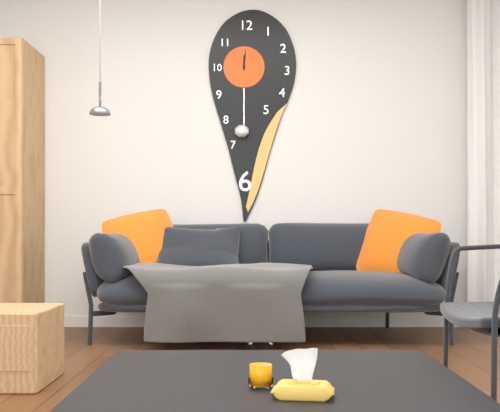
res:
h=12 m=1
